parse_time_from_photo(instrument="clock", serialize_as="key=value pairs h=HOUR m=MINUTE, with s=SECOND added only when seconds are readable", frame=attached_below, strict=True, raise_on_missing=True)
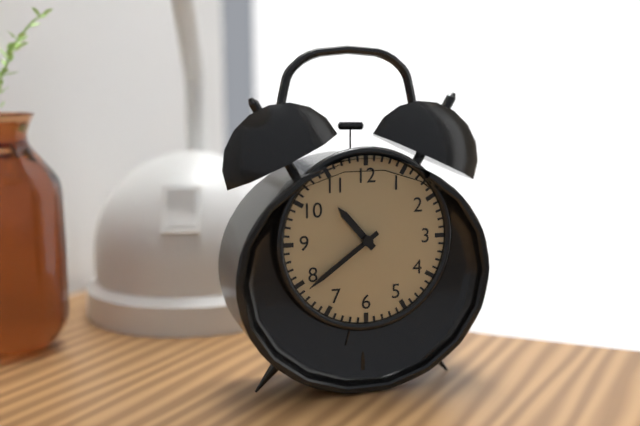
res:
h=10 m=39
